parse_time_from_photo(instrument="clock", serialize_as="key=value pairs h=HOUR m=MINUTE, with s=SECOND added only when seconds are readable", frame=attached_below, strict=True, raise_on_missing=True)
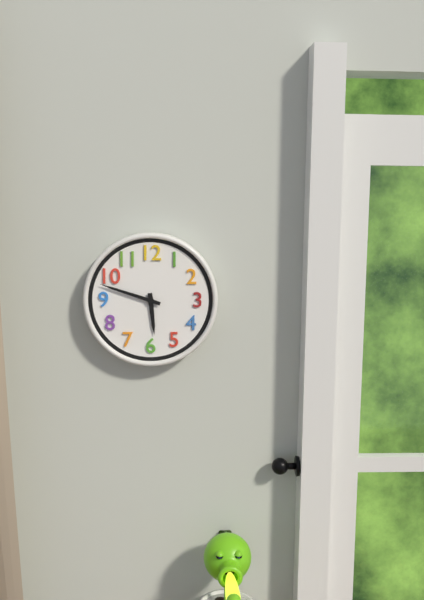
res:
h=5 m=48
